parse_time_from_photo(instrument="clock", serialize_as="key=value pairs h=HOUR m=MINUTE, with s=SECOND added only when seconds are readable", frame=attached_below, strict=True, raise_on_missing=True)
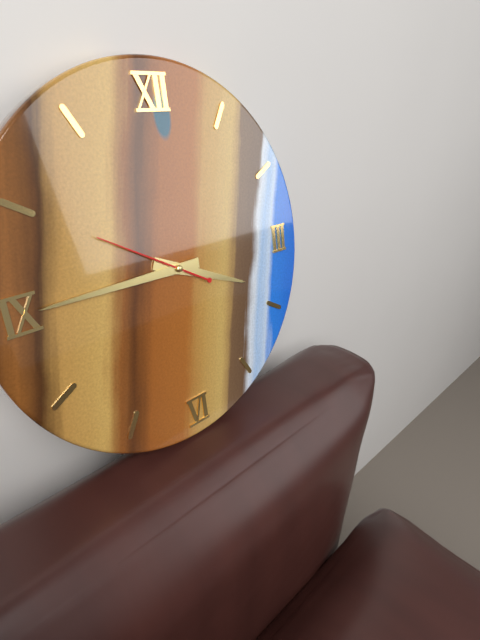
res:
h=3 m=45 s=50
